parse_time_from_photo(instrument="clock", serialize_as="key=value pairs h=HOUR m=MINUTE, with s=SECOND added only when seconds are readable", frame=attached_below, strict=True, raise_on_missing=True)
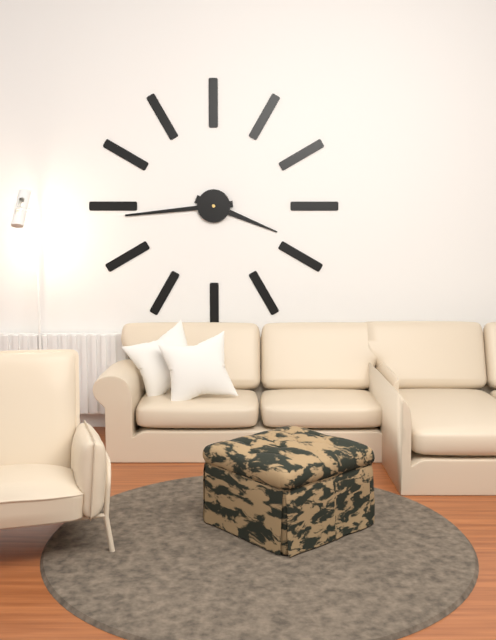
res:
h=3 m=44
